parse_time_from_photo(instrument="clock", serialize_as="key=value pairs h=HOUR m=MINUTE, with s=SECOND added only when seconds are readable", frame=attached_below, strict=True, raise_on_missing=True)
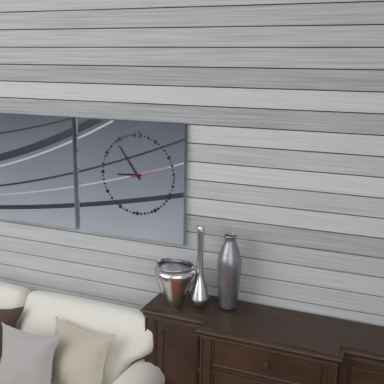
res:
h=8 m=54
